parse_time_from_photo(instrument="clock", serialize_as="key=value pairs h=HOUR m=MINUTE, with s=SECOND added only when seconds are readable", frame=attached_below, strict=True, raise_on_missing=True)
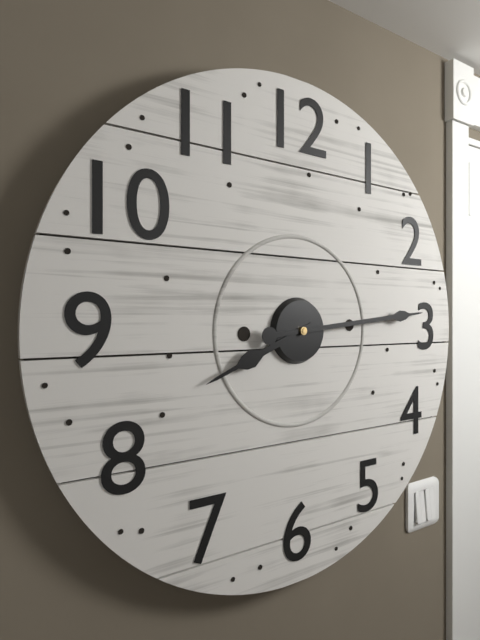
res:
h=8 m=14
